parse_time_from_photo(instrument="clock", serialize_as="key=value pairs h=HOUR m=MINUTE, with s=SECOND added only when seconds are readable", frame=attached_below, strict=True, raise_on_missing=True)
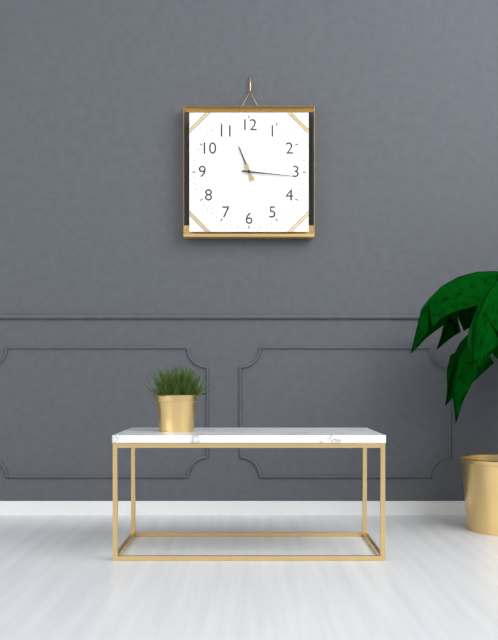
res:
h=11 m=16
